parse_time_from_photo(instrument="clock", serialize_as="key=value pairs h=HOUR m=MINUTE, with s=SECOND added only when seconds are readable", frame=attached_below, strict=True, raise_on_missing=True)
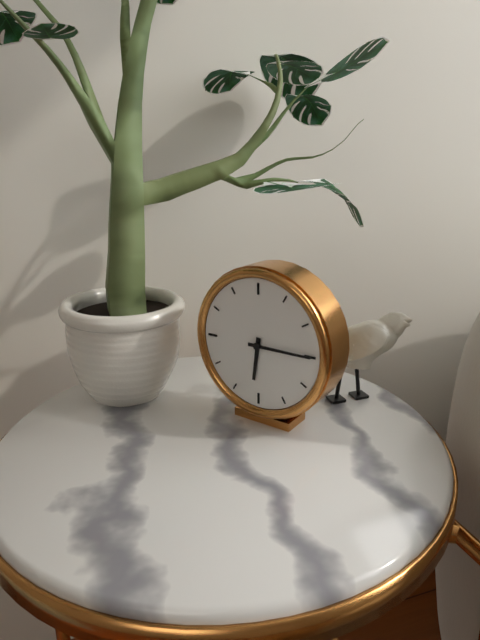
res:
h=6 m=15
